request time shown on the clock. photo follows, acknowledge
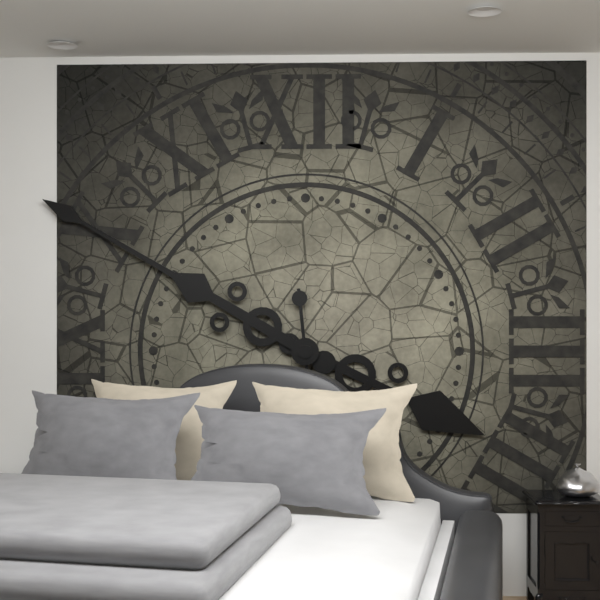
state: 3:50
